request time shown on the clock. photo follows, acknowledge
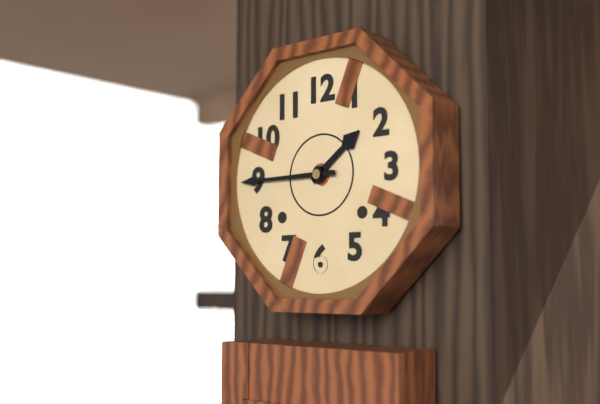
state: 1:45
